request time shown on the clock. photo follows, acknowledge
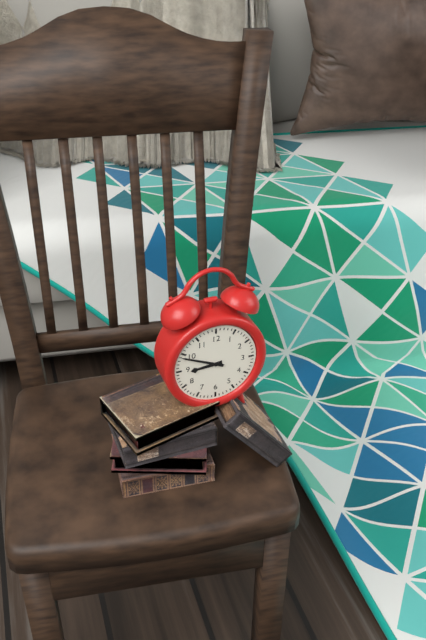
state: 8:49
